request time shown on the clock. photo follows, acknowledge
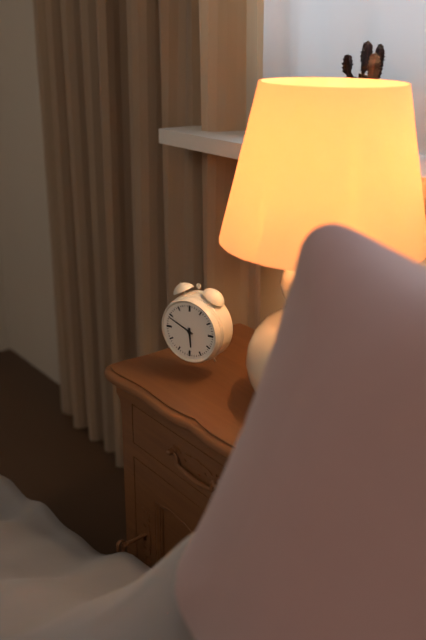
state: 5:49
